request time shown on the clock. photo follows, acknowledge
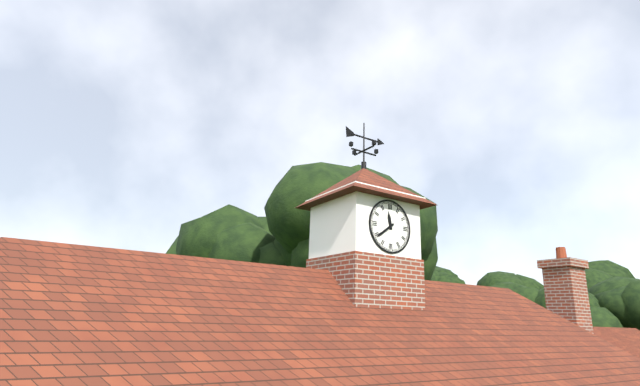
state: 11:39
